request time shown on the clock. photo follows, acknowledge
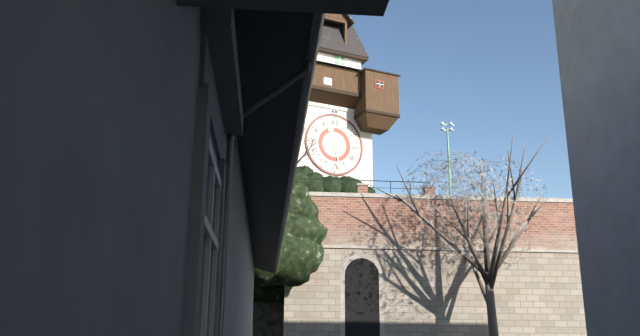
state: 11:28
